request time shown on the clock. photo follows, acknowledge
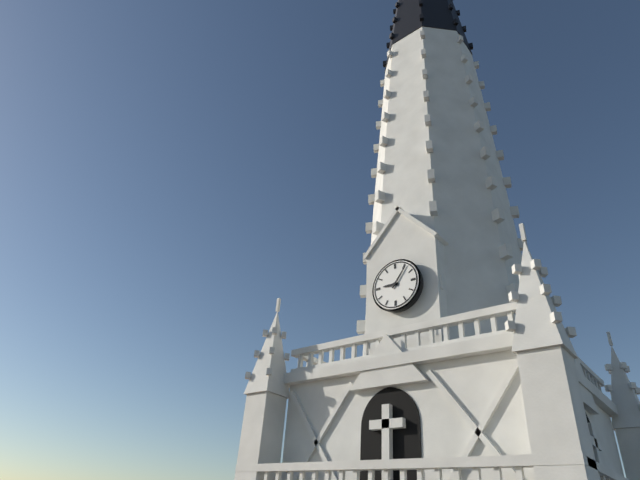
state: 9:06
